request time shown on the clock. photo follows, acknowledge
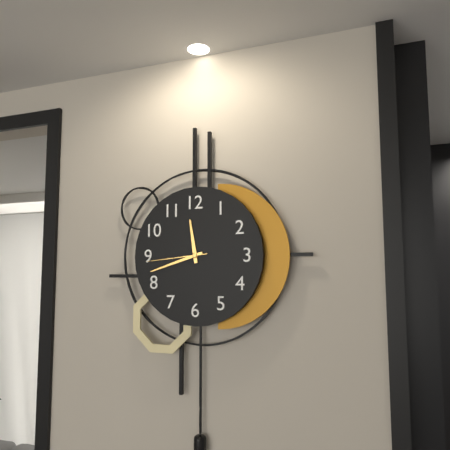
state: 11:42:44
